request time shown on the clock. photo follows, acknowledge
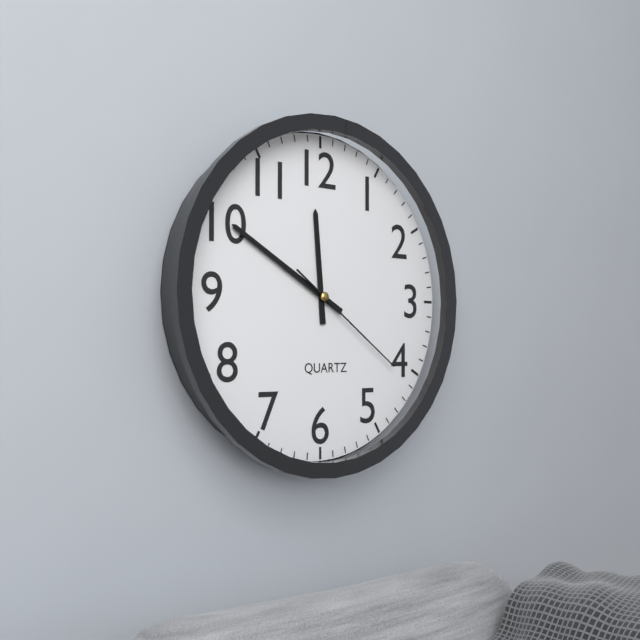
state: 11:50:21
